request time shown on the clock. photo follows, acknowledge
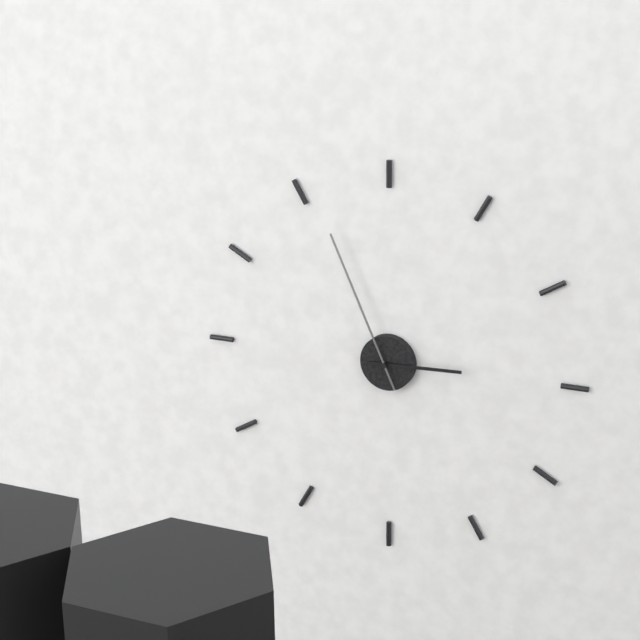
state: 2:56
